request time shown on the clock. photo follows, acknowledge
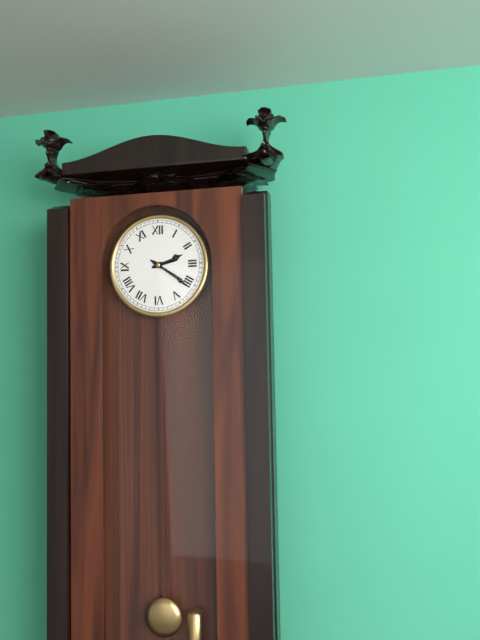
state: 2:21
